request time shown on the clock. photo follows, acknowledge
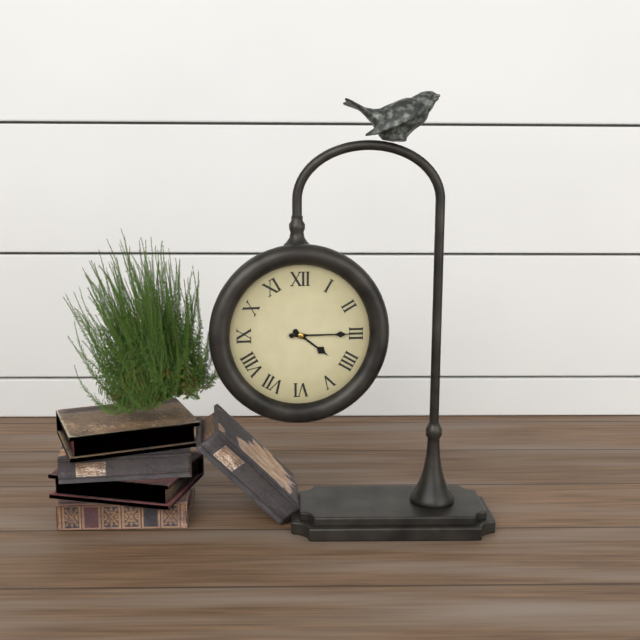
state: 4:15
